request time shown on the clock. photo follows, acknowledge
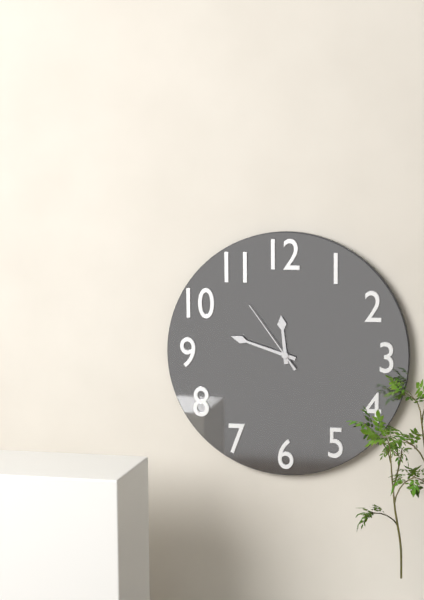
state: 11:48:54
